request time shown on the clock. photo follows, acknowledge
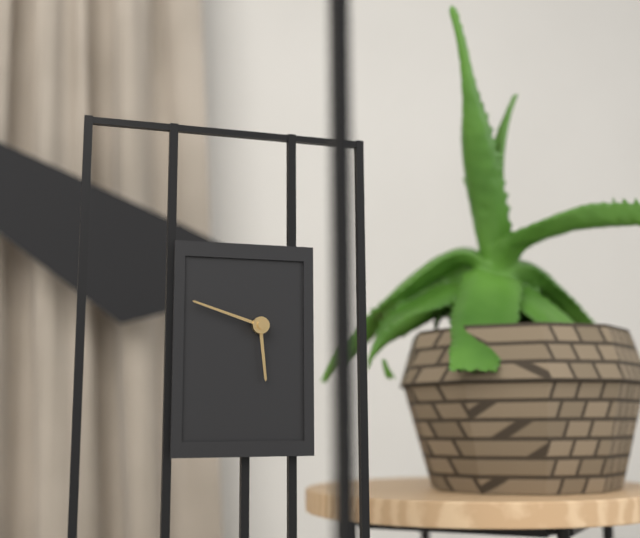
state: 5:48
